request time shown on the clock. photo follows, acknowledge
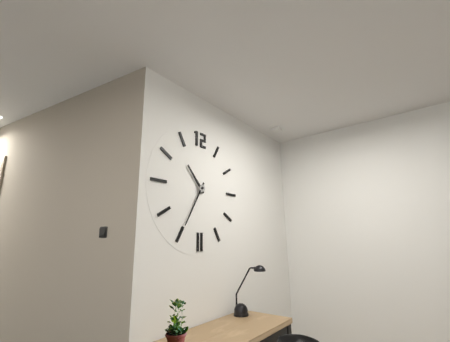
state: 10:35
